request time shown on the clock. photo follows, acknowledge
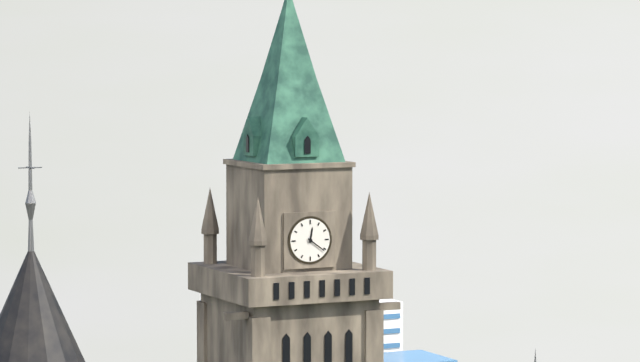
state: 12:21
